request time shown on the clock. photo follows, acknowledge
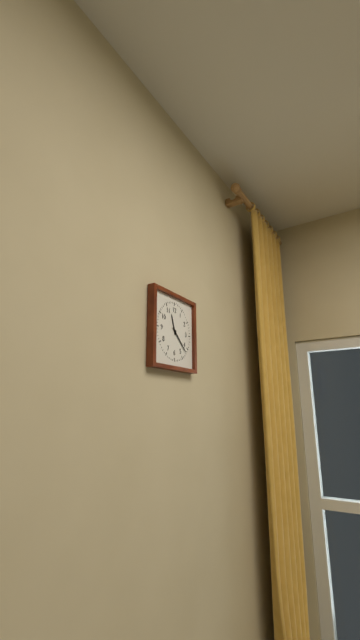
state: 11:22
